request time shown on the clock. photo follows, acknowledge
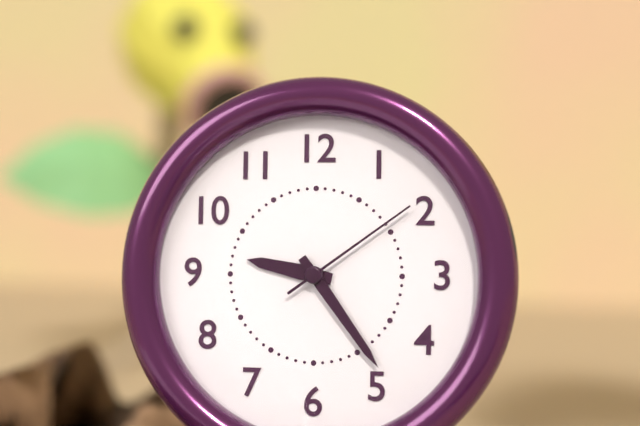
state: 9:24:09
